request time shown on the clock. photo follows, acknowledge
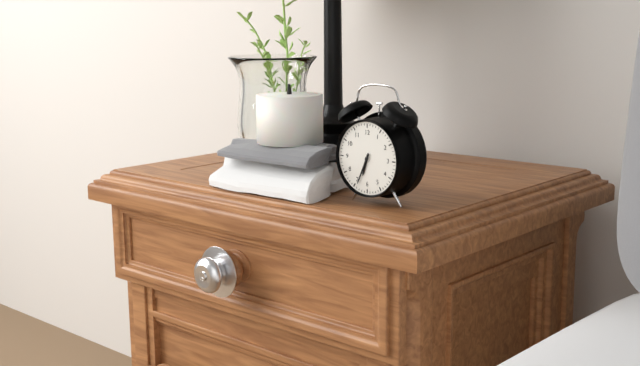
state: 6:34
